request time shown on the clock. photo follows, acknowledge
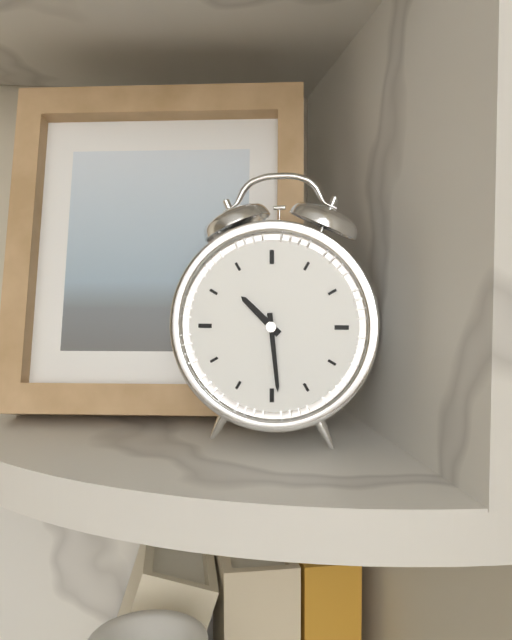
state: 10:29
